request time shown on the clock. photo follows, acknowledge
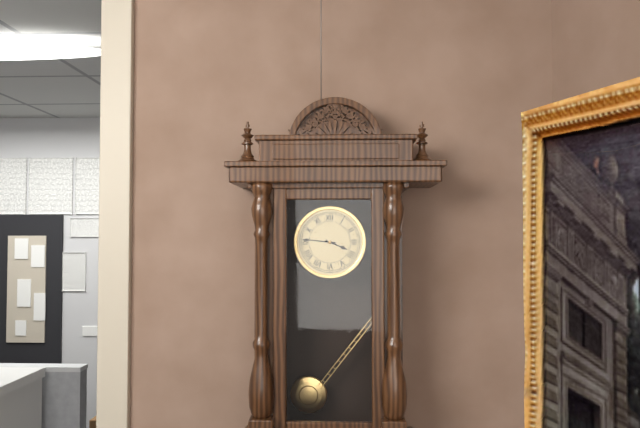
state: 3:46
